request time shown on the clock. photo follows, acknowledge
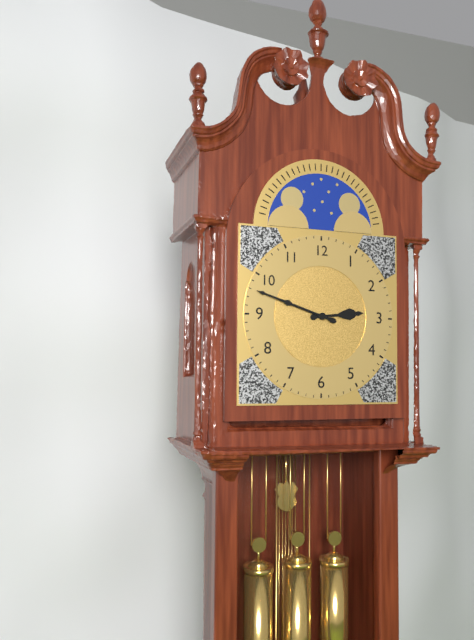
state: 2:48
